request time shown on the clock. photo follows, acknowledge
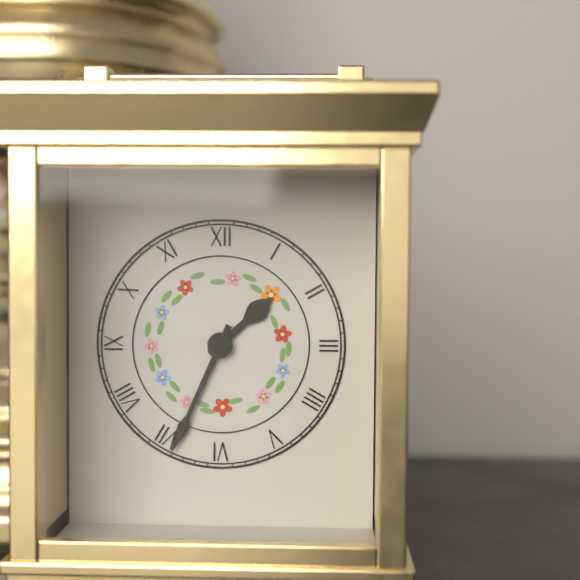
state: 1:34
